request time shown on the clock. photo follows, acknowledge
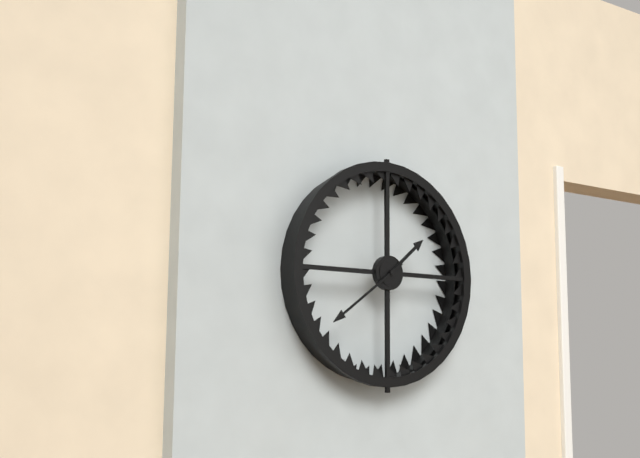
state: 1:39
